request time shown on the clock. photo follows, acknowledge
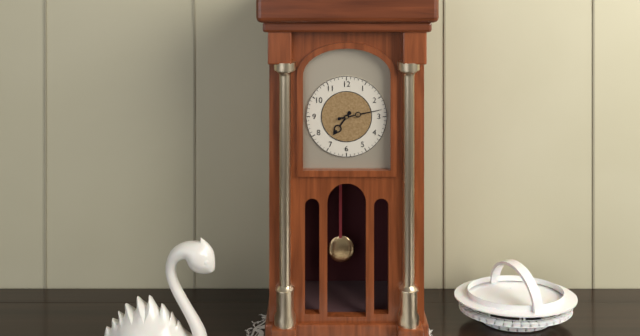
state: 7:13
